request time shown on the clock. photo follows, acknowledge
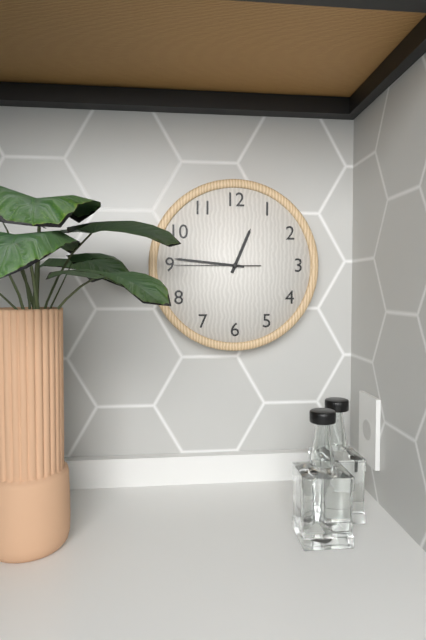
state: 12:46:45
